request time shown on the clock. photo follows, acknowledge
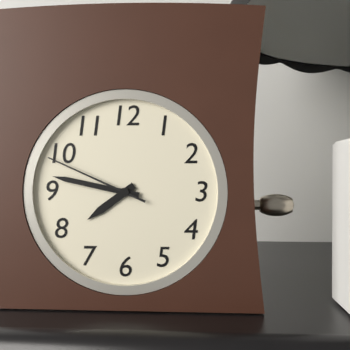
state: 7:47:49
